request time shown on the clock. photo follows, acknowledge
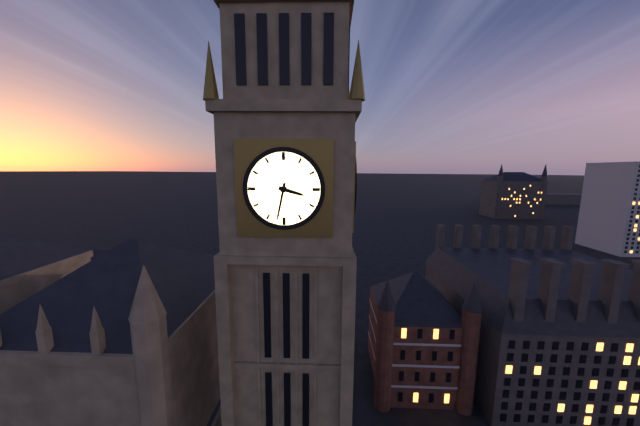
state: 3:32
